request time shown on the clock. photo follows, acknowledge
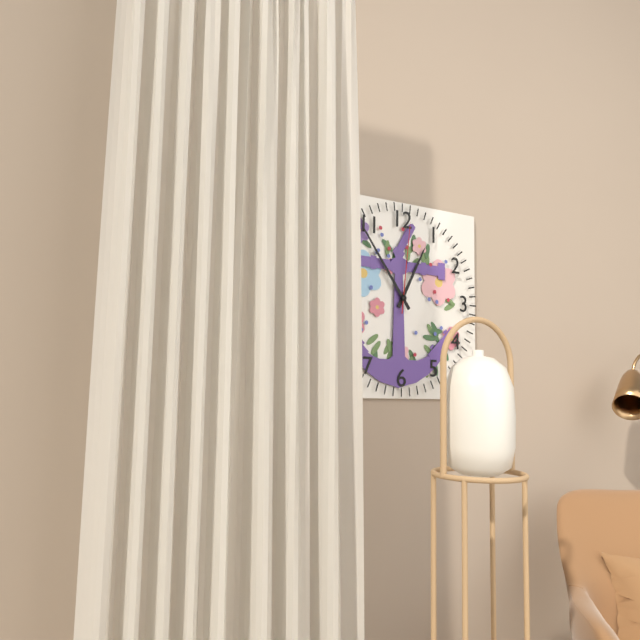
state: 12:54:01
